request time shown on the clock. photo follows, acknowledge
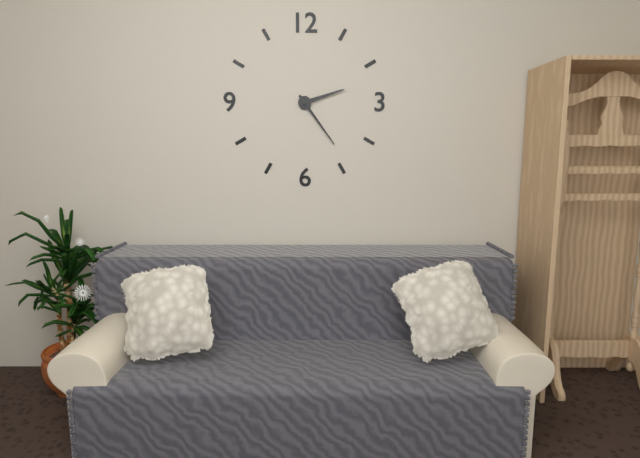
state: 2:24
